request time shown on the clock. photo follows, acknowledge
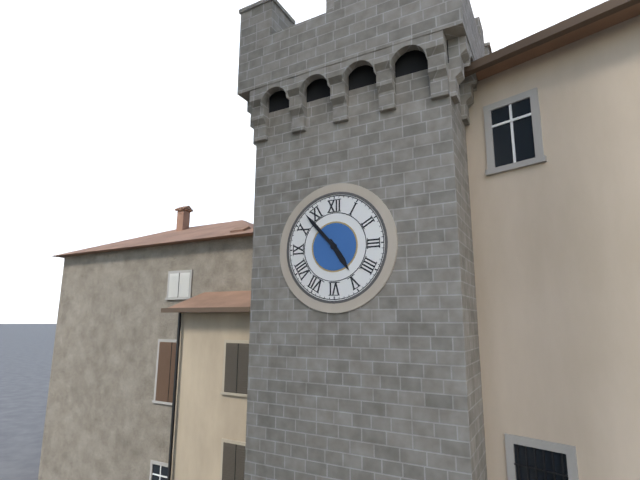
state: 4:53
